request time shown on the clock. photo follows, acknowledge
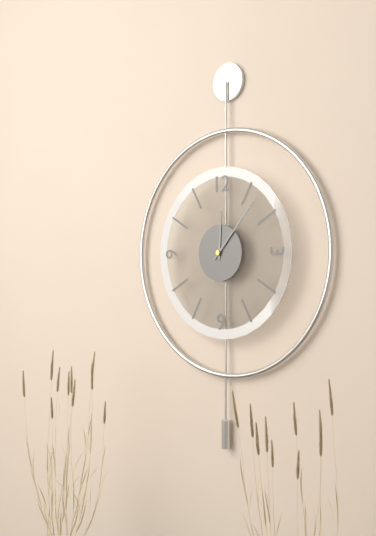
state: 12:07
